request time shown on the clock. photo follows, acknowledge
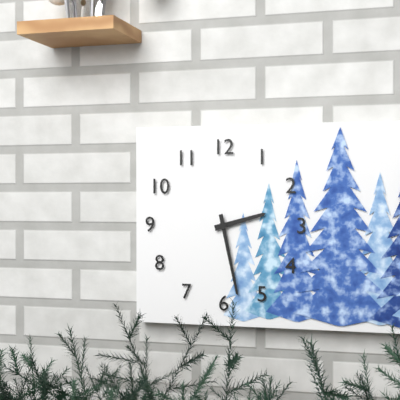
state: 2:28
